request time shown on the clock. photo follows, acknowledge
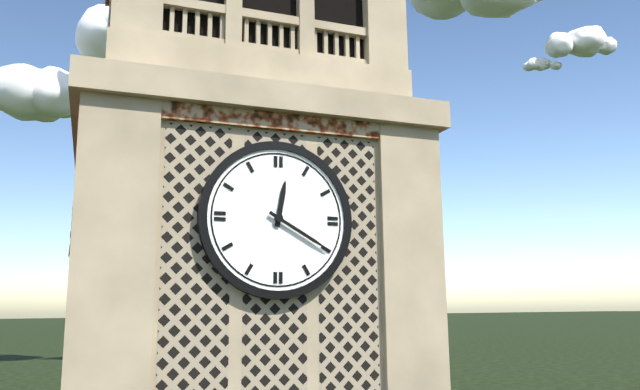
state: 12:20
